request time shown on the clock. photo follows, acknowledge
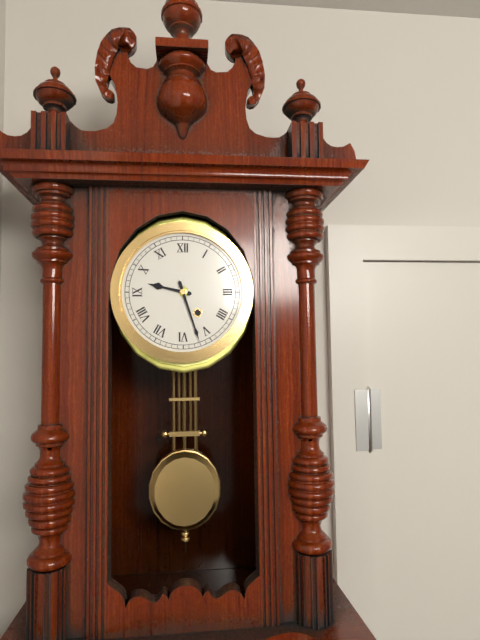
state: 9:27
